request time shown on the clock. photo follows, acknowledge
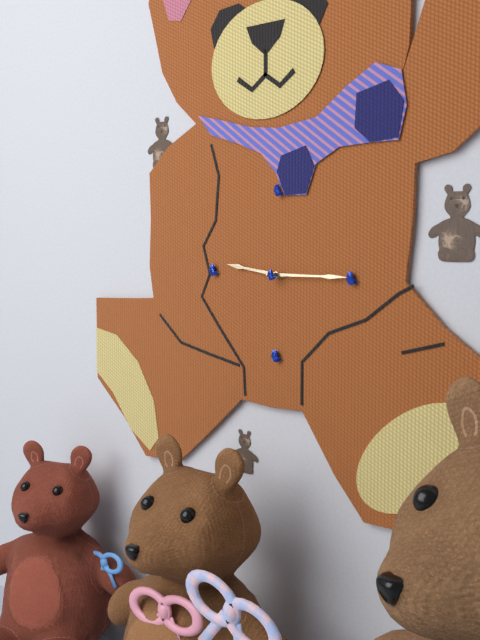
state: 9:15
